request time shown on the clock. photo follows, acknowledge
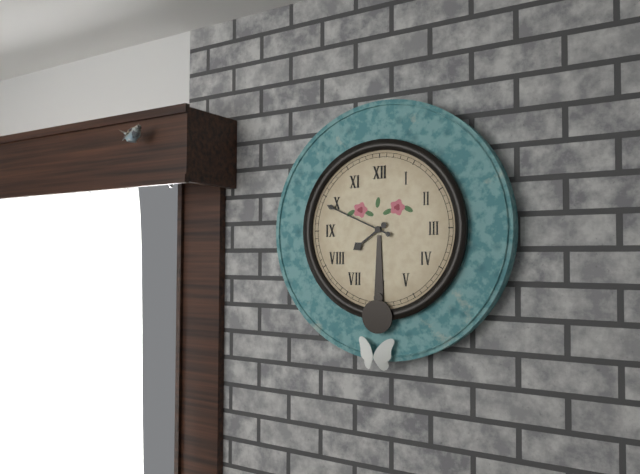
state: 7:49
